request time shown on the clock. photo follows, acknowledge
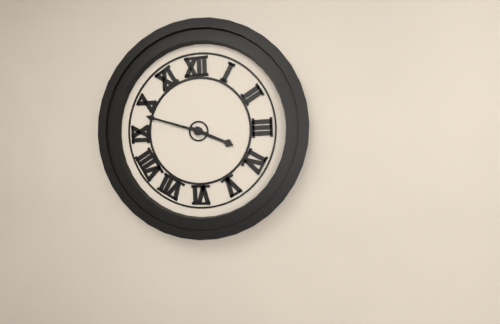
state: 3:48
